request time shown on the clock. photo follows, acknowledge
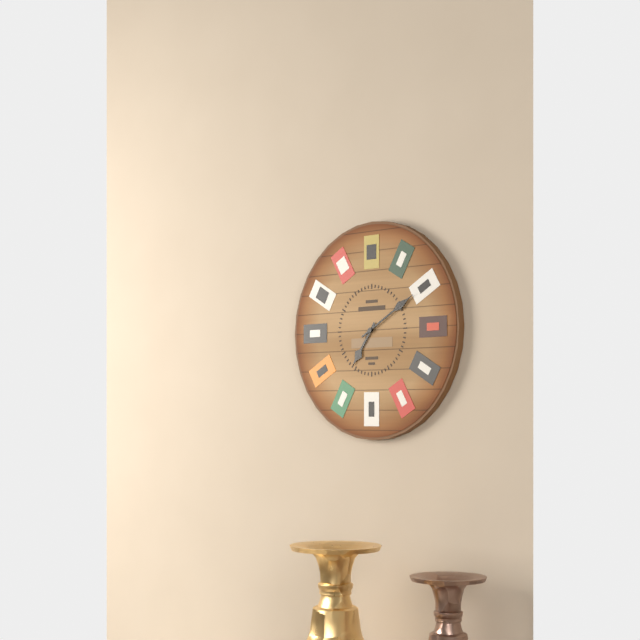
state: 7:10
